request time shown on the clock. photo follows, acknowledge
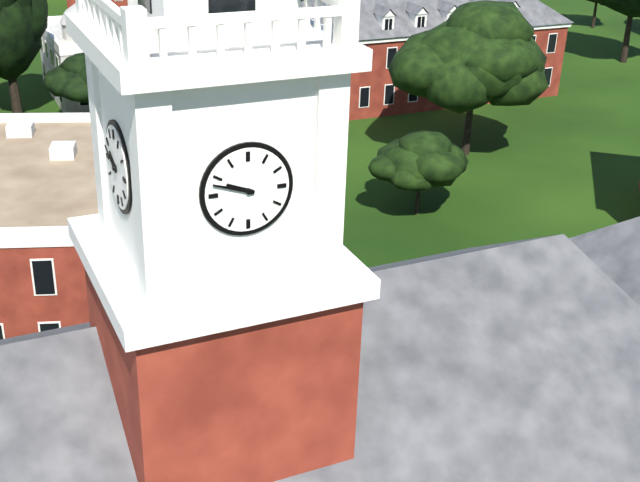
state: 9:48
